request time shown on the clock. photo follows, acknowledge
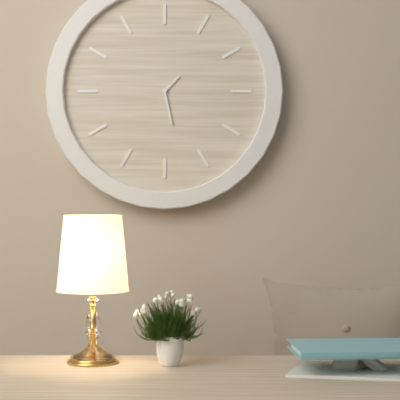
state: 1:28
